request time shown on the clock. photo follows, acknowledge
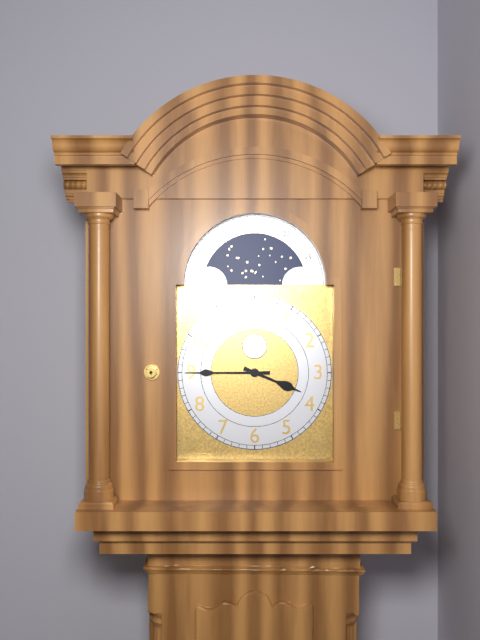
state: 3:45
